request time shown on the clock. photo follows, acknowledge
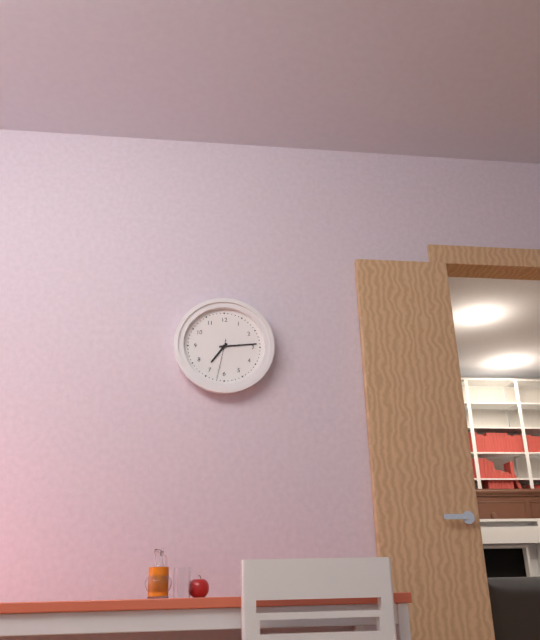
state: 7:14
